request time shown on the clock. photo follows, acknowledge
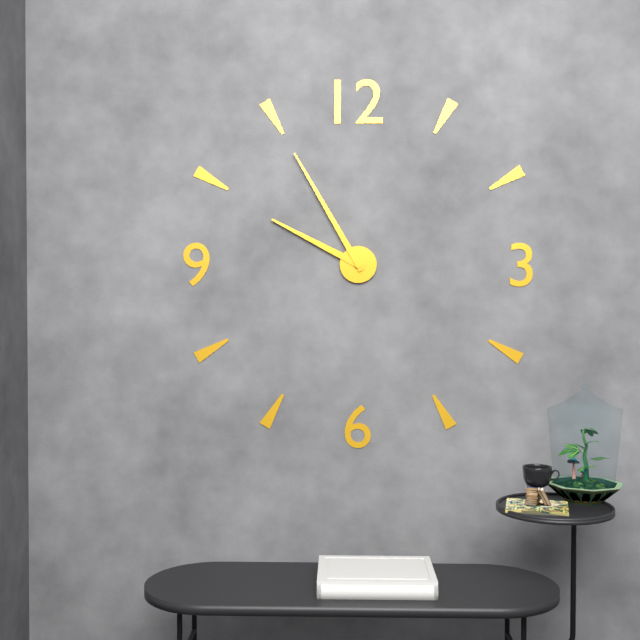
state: 9:55
